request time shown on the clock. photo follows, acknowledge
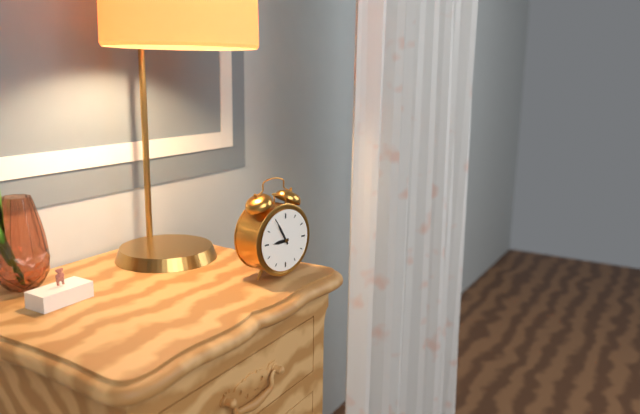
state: 8:55
